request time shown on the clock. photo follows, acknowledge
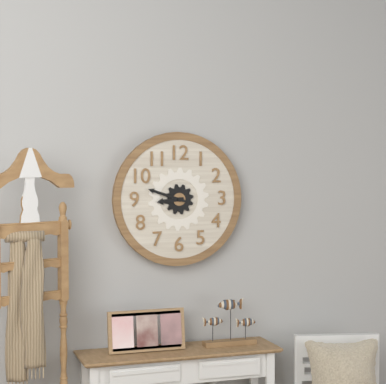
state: 8:48
